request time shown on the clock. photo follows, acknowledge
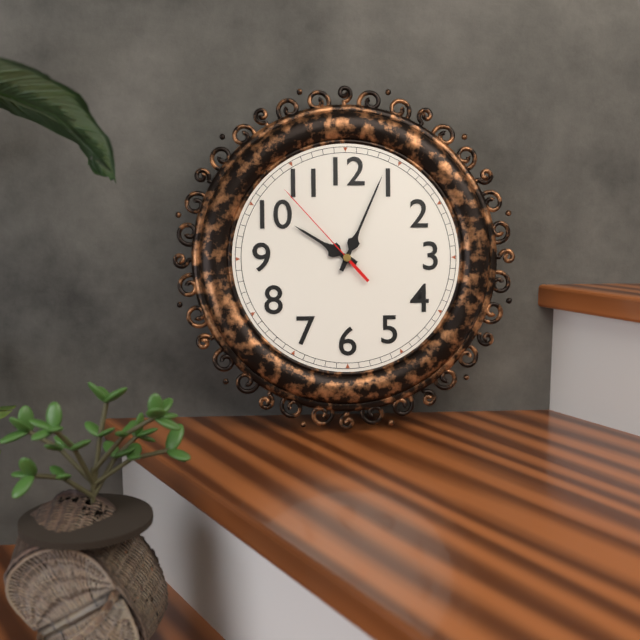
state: 10:04:53
